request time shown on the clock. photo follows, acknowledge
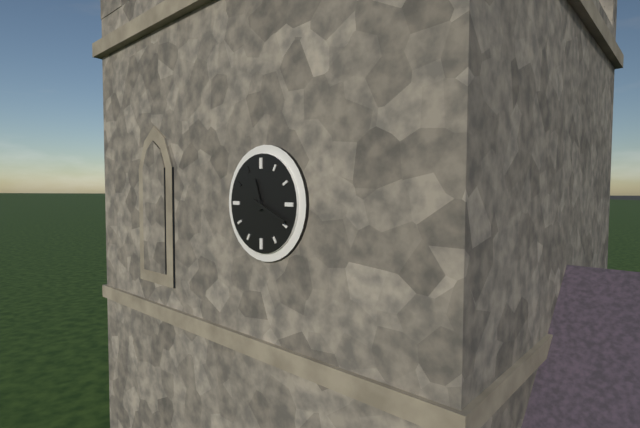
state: 11:19
